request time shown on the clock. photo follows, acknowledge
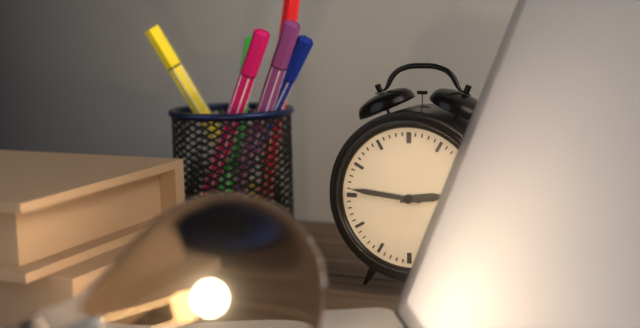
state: 2:46
